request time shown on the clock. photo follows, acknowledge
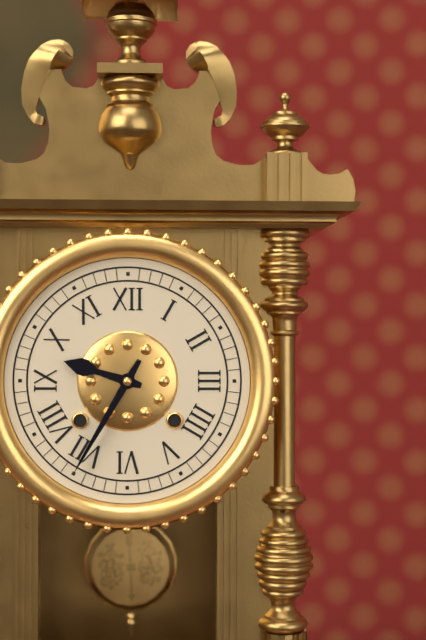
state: 9:35
